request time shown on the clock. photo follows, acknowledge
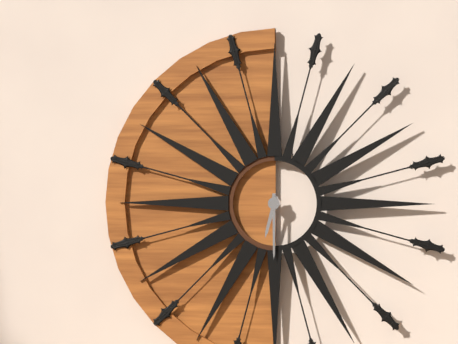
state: 6:30
